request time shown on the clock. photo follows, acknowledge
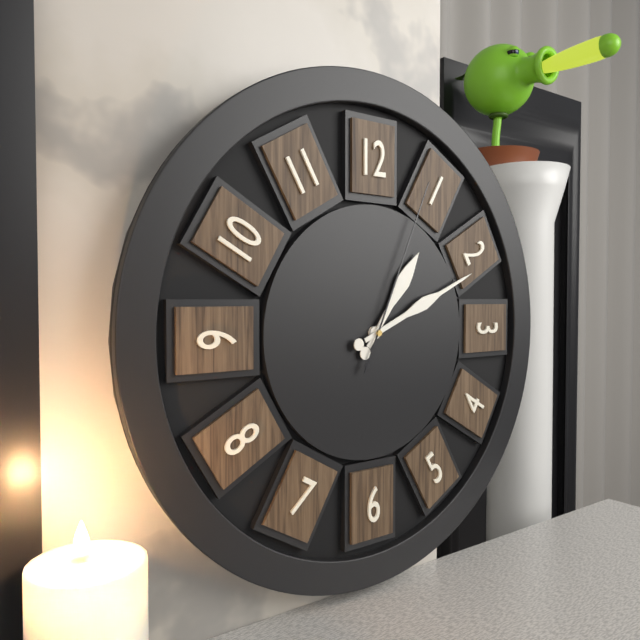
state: 1:11:04
